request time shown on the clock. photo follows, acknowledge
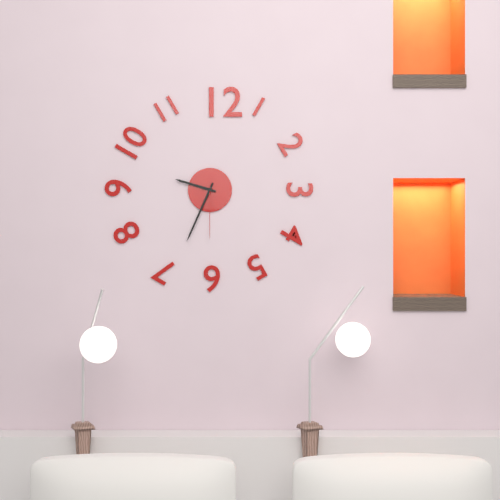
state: 9:34:30
